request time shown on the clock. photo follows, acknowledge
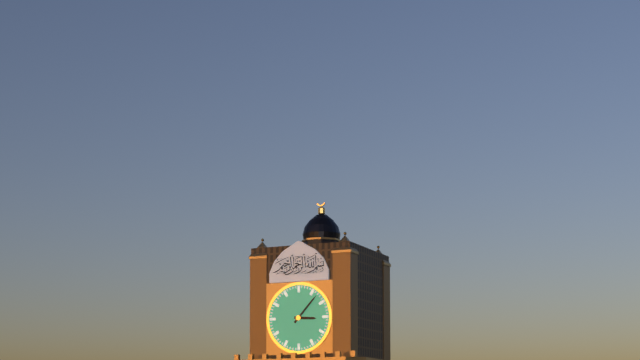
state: 3:07
